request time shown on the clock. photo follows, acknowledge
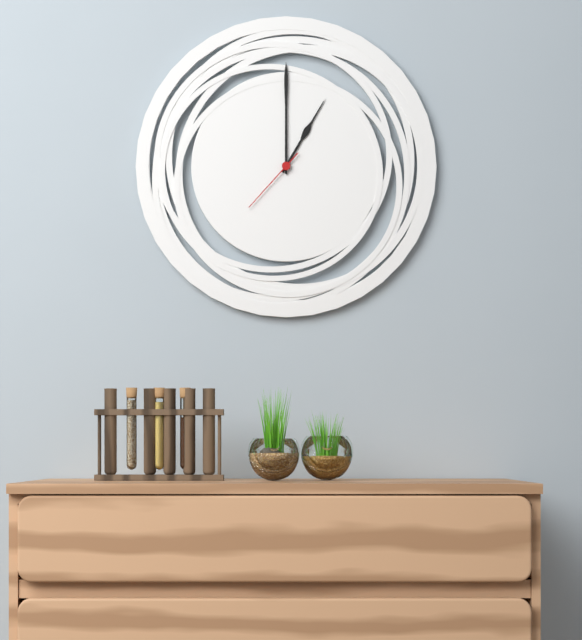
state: 1:00:37
